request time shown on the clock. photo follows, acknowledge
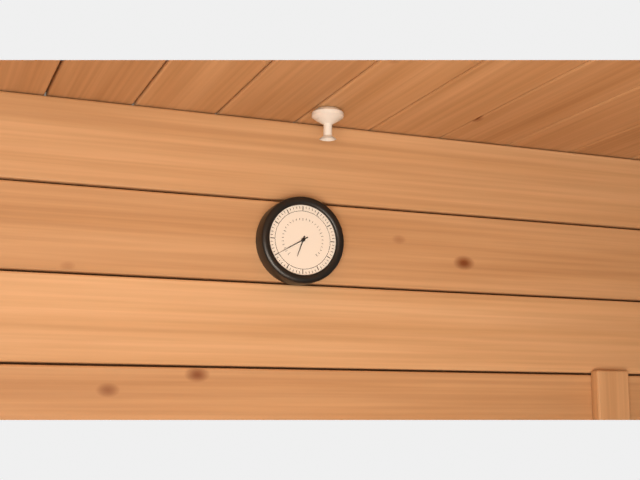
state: 6:40
